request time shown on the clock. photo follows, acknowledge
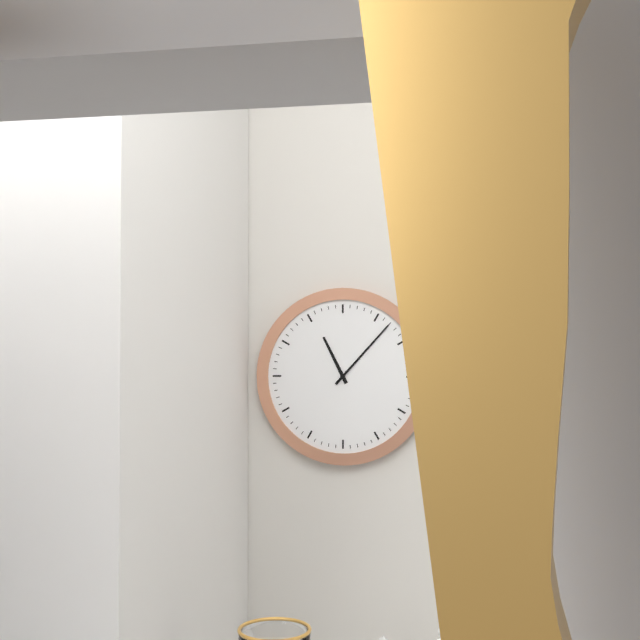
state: 11:07
